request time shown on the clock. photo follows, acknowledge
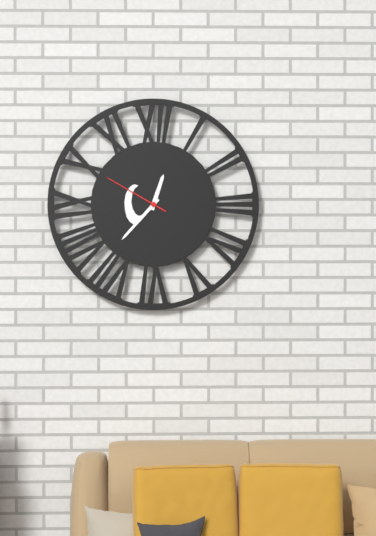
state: 12:37:50
